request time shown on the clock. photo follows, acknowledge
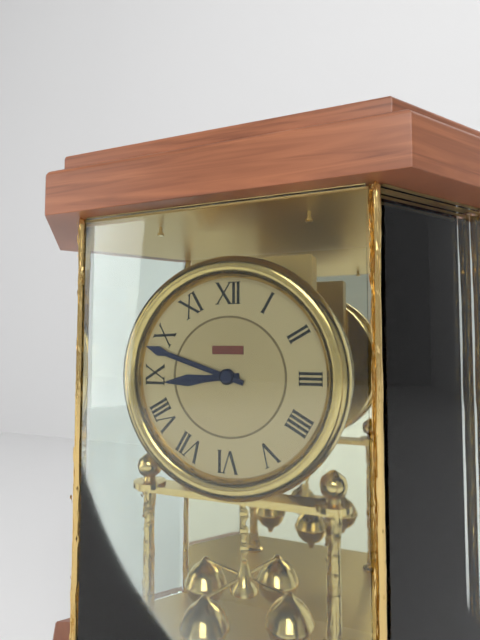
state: 8:48
